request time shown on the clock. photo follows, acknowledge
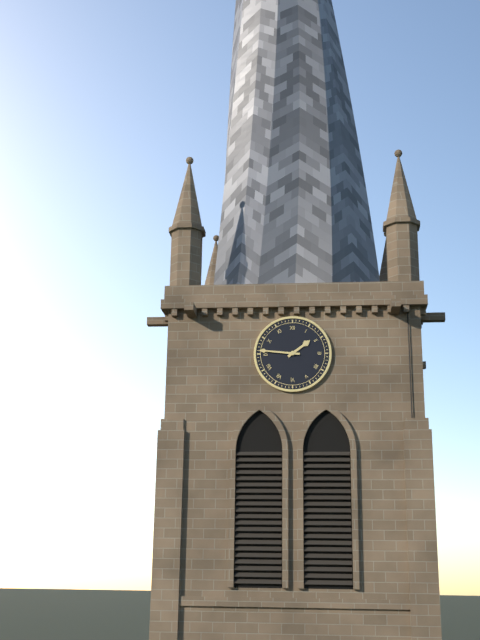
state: 1:46
